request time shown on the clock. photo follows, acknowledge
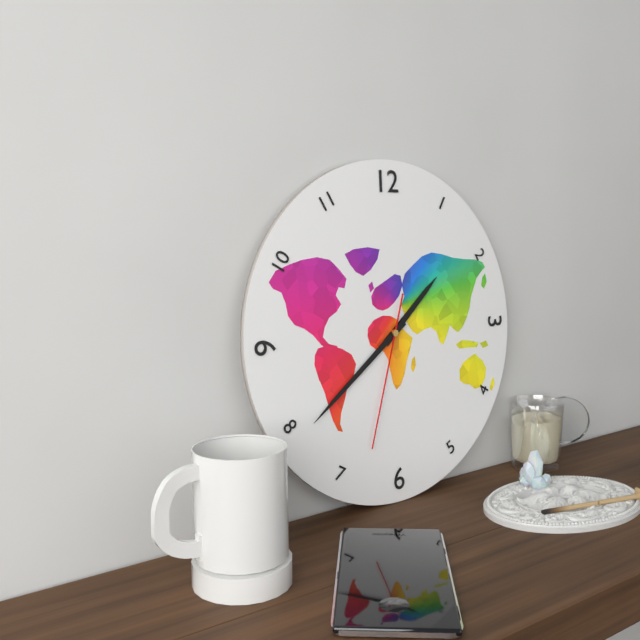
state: 1:39:33
